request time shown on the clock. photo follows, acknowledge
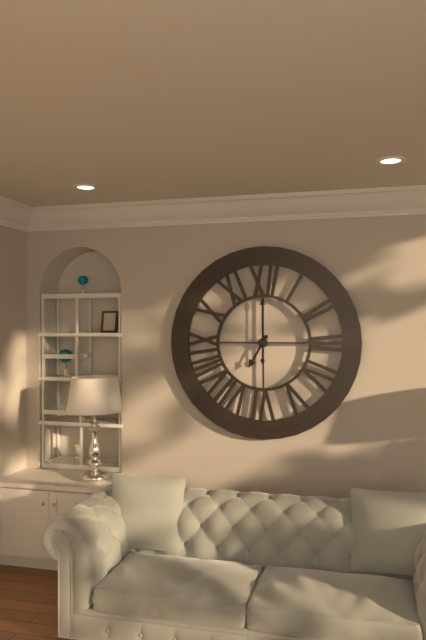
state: 7:00
